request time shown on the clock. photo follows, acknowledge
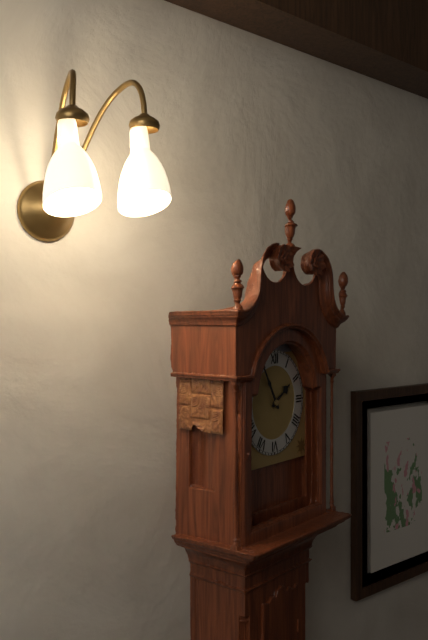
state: 1:55
